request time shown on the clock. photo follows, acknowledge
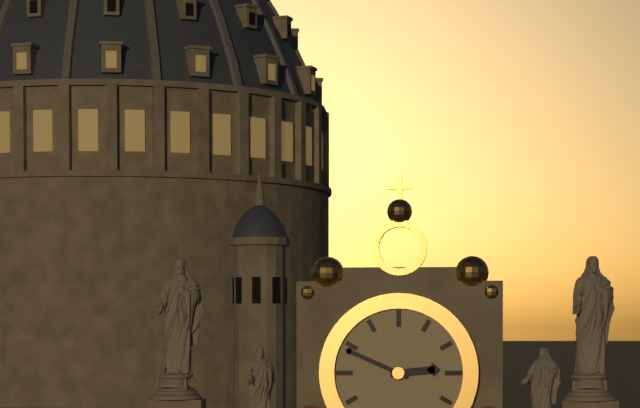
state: 2:49
